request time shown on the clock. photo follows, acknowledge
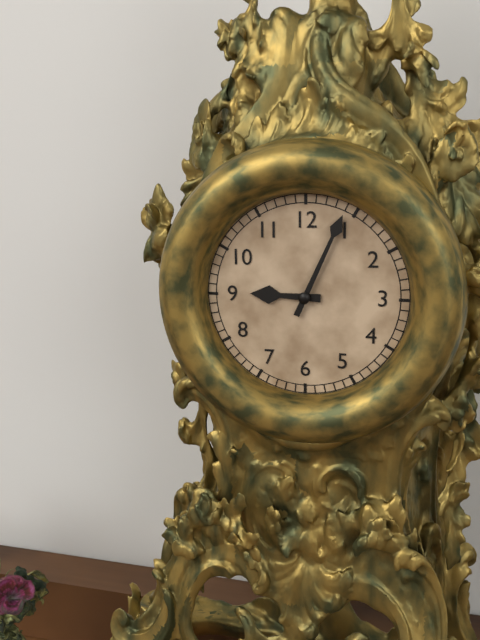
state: 9:04
